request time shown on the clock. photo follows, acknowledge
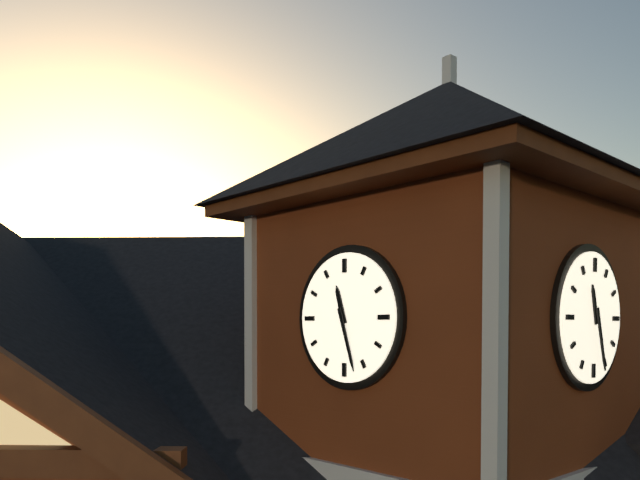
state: 11:27
